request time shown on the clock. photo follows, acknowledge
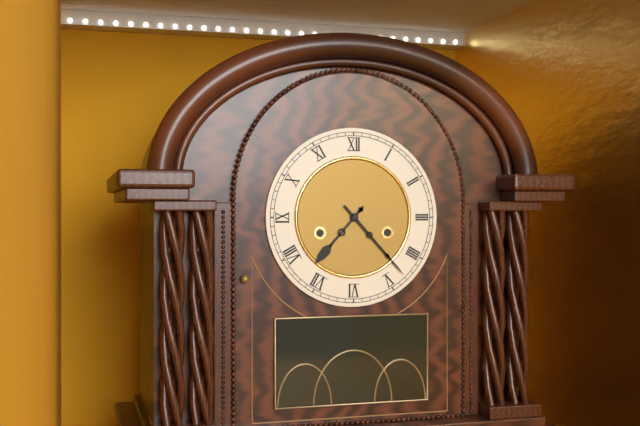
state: 7:23
